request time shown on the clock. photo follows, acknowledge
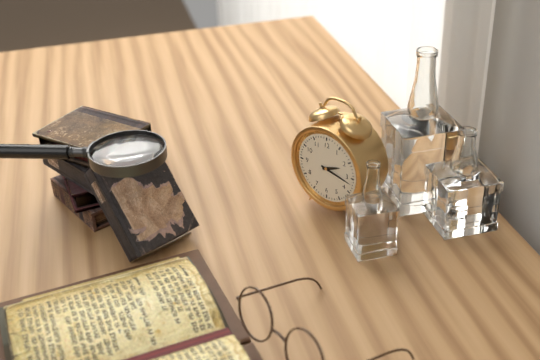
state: 2:17
